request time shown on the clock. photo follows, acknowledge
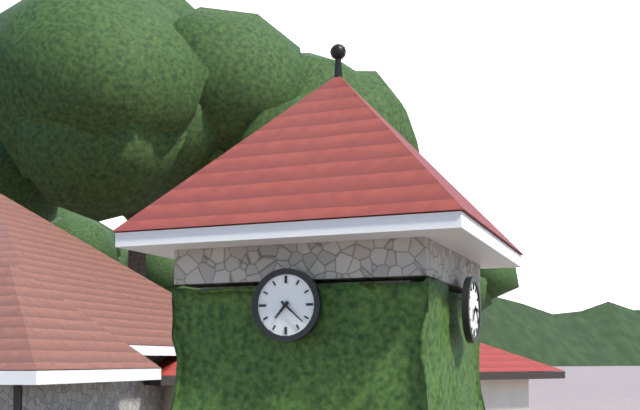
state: 7:22
